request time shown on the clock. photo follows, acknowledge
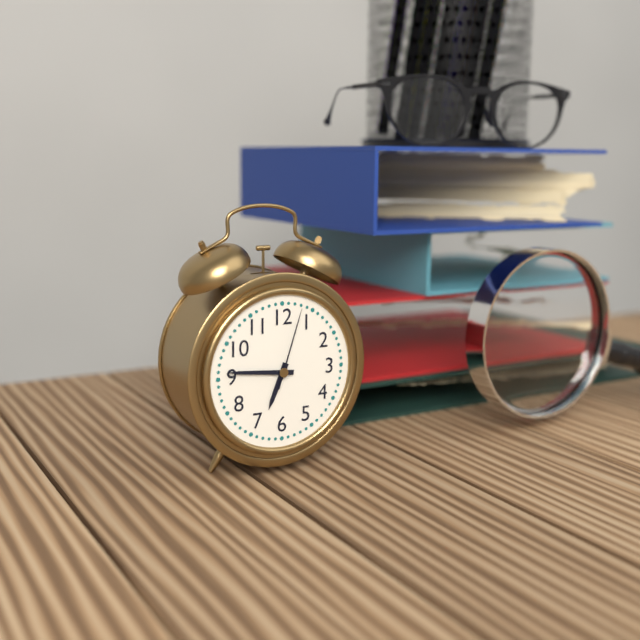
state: 6:46:03
